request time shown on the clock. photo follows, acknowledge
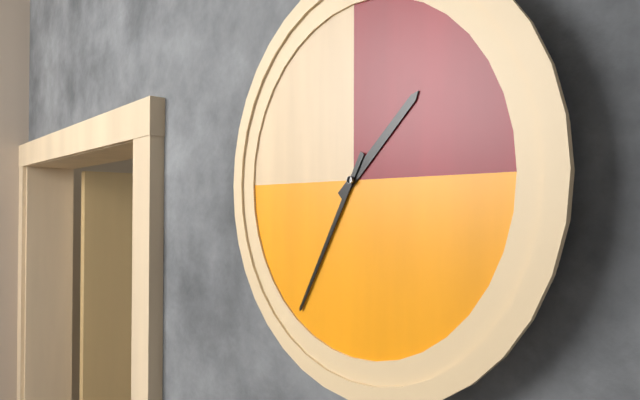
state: 1:35
